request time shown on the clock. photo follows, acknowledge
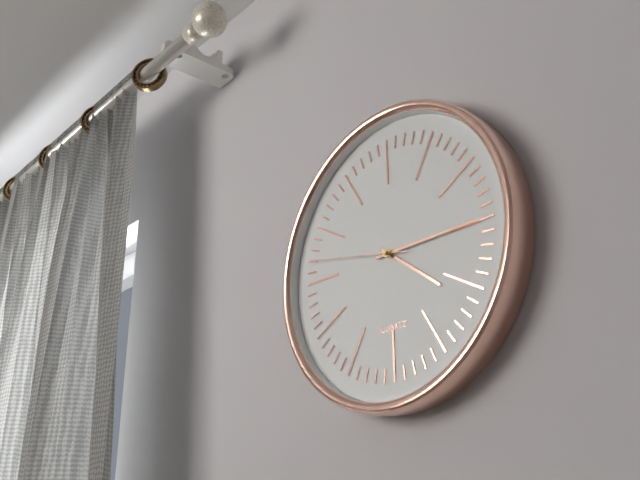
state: 4:15:47
